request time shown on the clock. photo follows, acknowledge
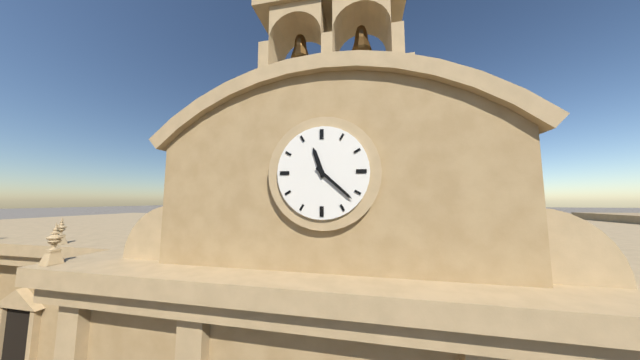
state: 11:22
